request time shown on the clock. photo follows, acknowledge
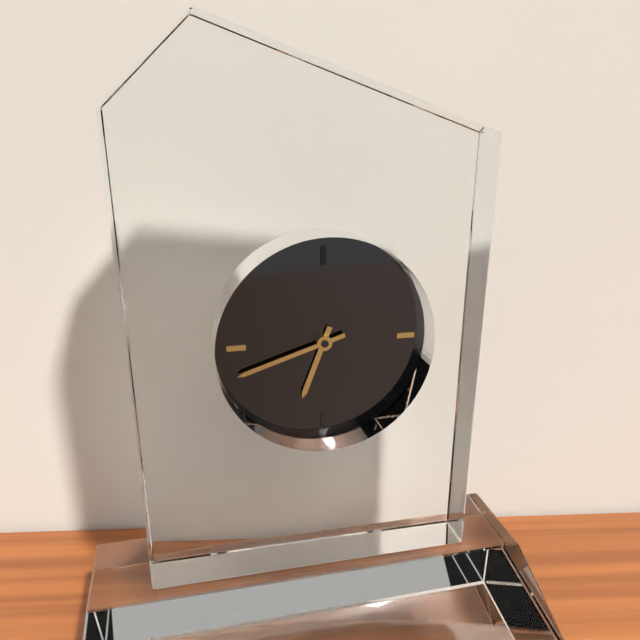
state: 6:42
